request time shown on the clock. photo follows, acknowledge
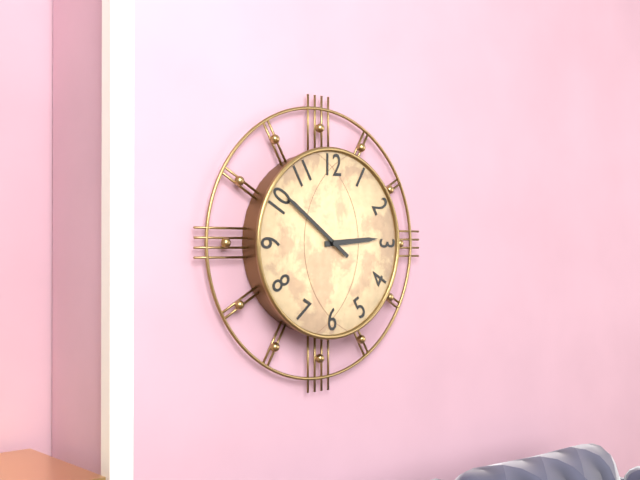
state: 2:51
